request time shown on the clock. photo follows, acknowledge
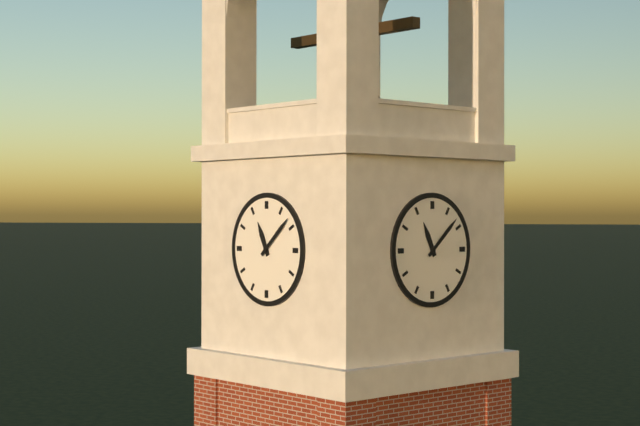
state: 11:08
